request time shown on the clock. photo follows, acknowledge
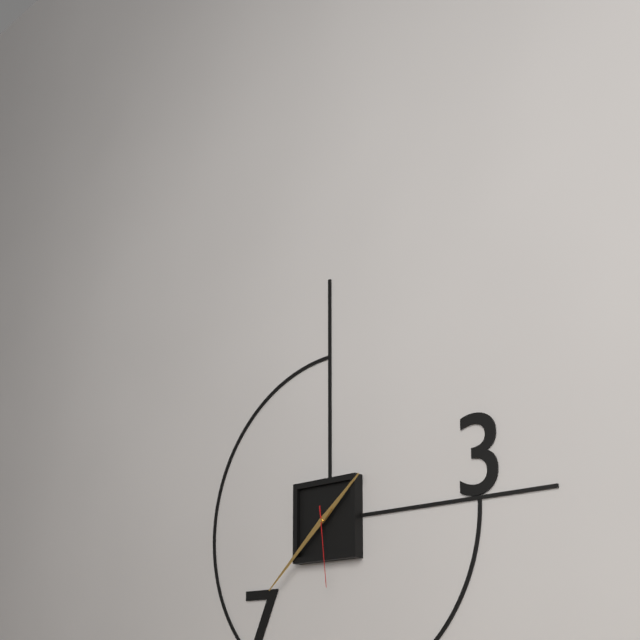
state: 1:38:29
